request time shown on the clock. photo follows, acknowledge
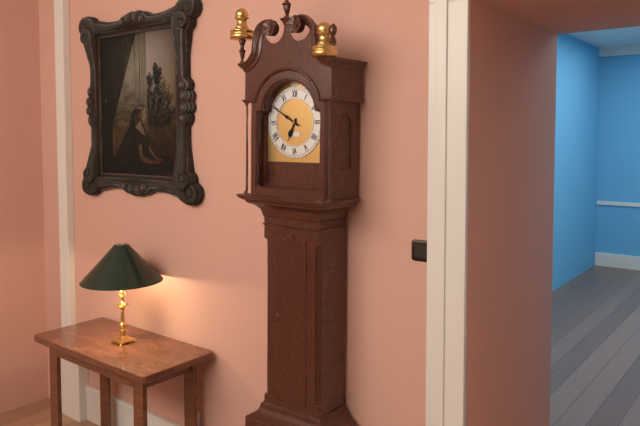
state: 6:50
